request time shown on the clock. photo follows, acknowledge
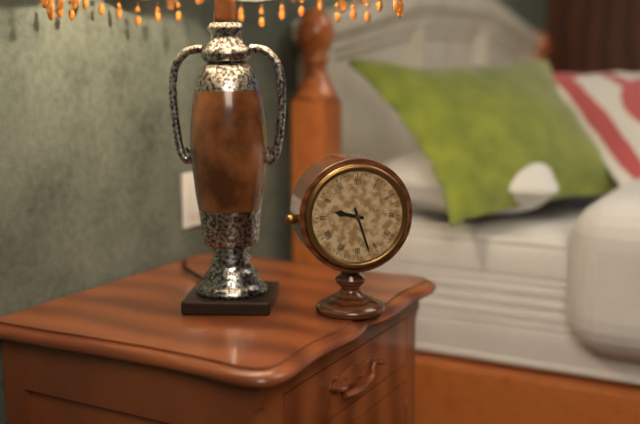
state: 9:27
